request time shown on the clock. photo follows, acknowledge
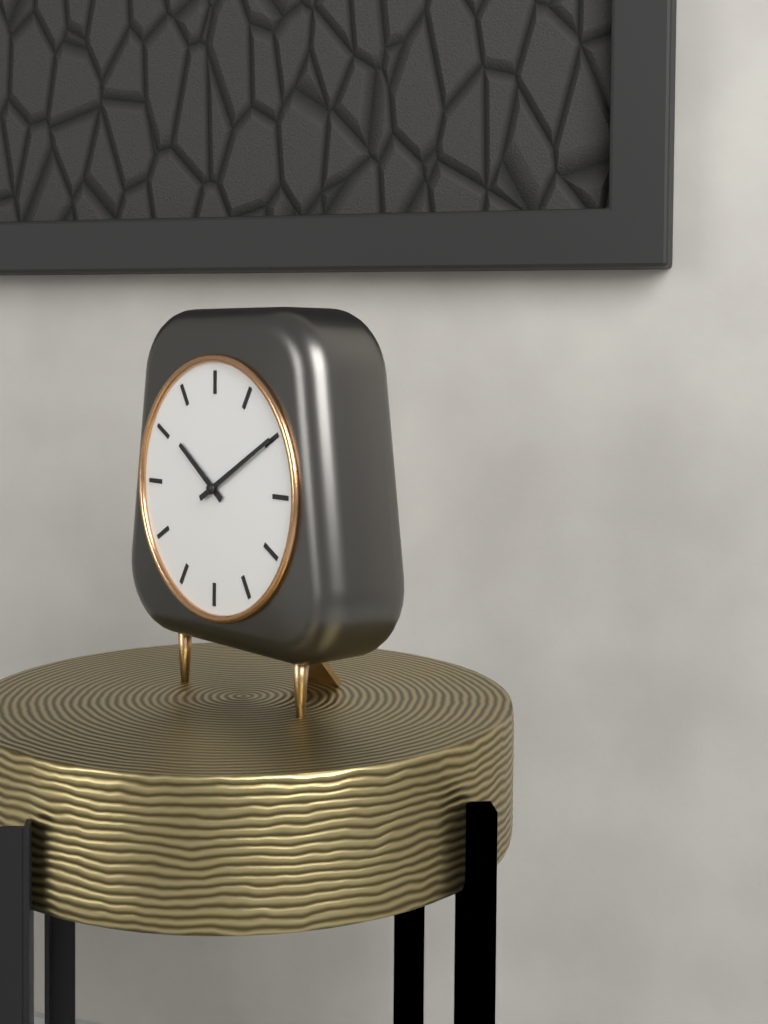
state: 10:10
